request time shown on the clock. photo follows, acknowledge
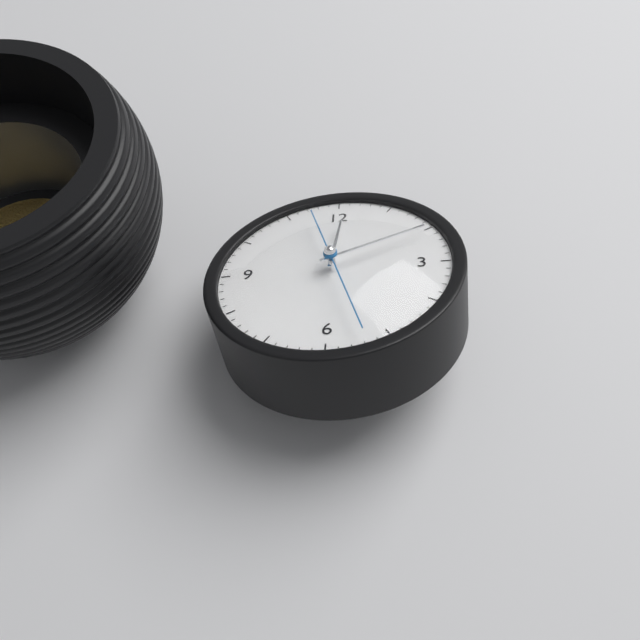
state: 12:11:27
